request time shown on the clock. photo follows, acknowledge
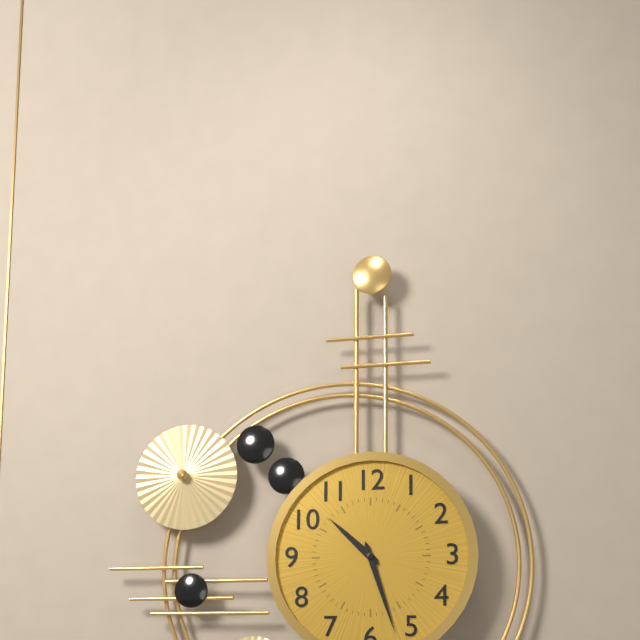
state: 10:27
